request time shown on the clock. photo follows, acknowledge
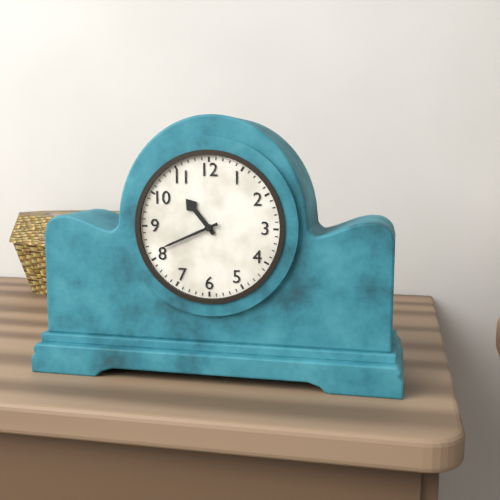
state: 10:41
